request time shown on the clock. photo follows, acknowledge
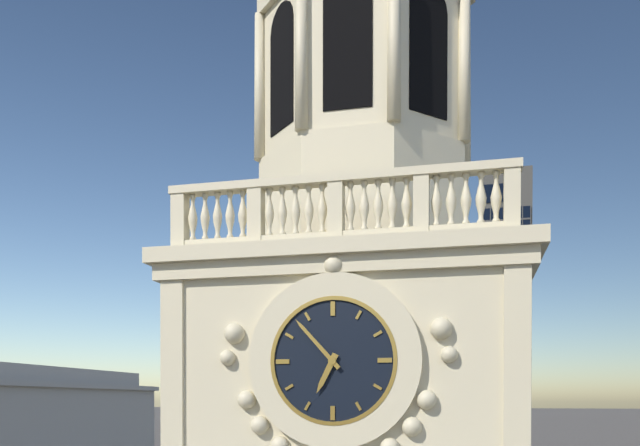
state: 6:53
